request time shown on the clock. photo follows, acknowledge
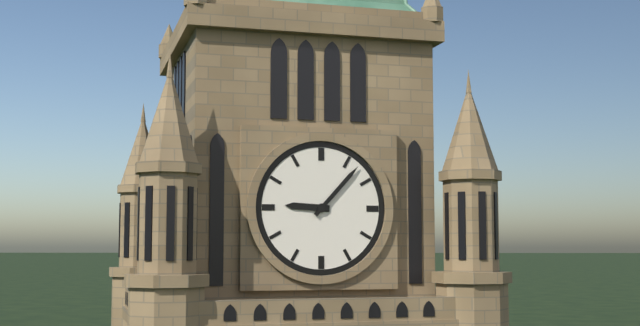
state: 9:07
